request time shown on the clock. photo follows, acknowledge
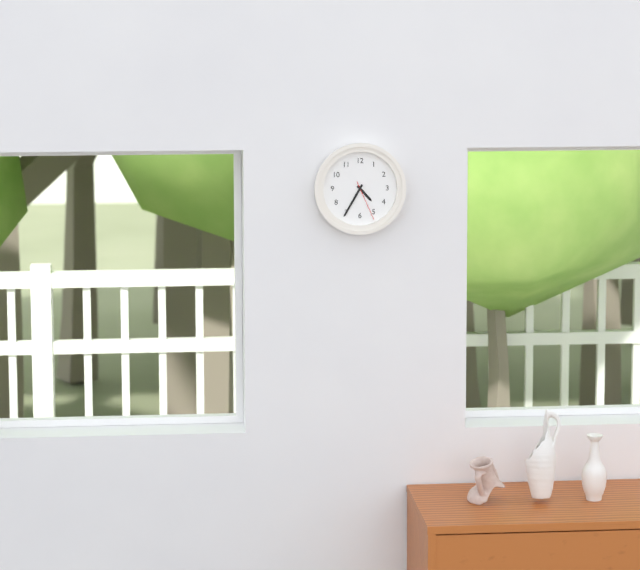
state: 4:35
